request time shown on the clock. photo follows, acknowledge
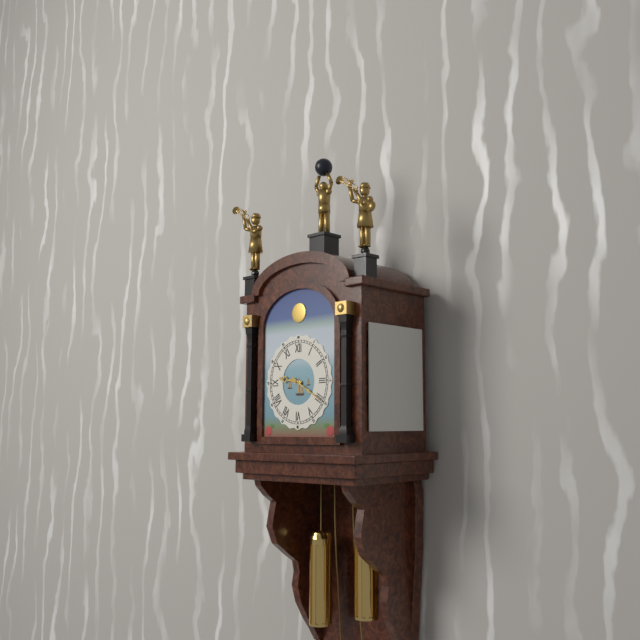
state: 9:20
